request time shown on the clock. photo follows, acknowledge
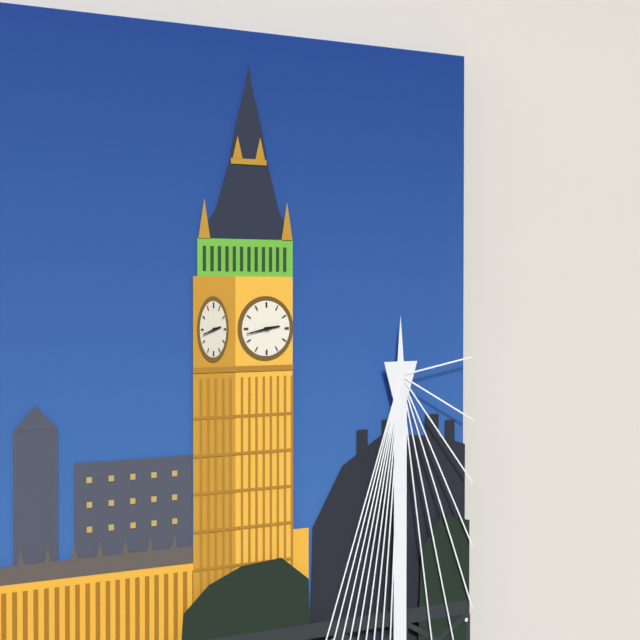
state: 2:43
